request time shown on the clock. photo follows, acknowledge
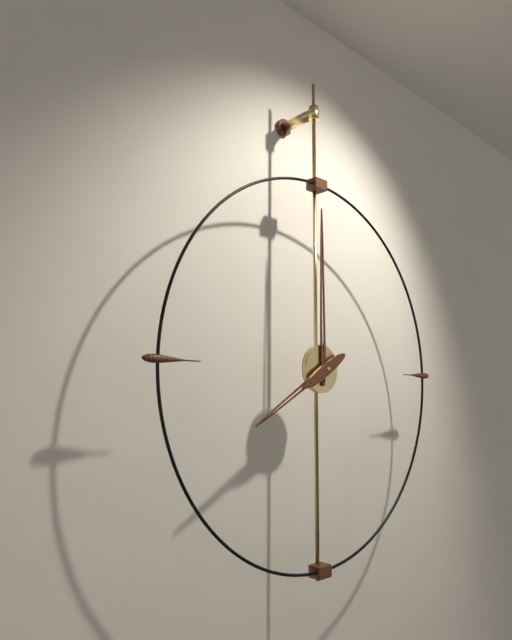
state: 8:00
